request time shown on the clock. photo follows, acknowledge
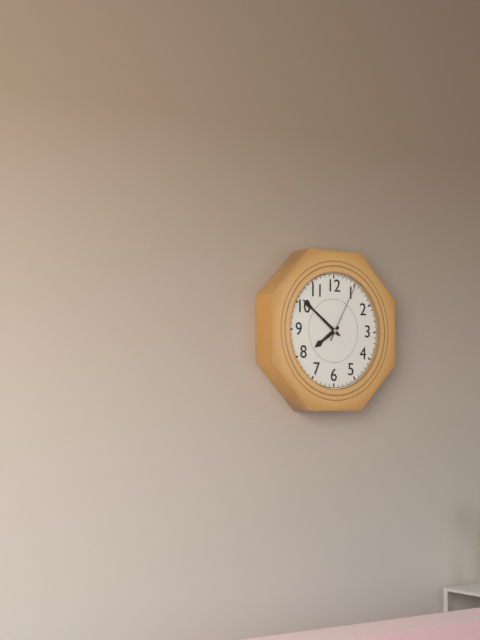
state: 7:51:05
